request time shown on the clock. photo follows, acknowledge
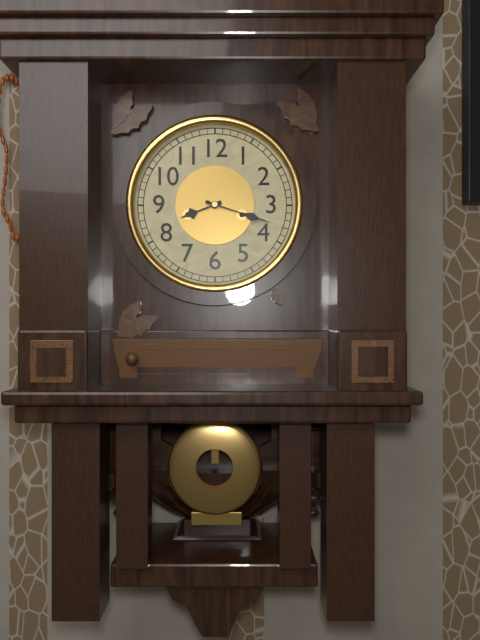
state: 8:18
